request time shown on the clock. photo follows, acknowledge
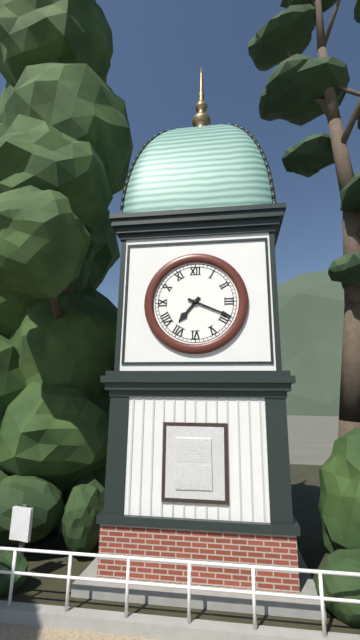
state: 7:19
